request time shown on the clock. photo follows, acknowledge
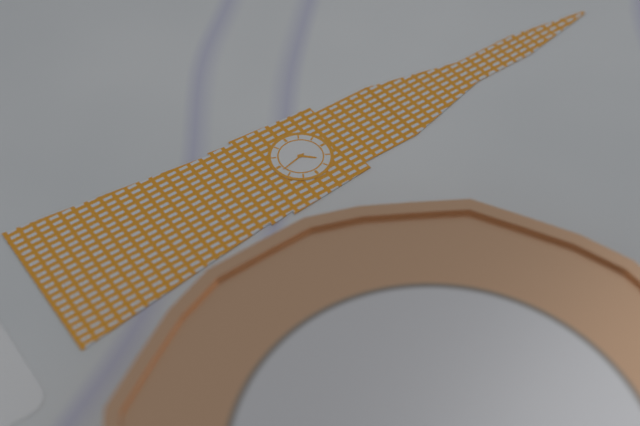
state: 1:28
